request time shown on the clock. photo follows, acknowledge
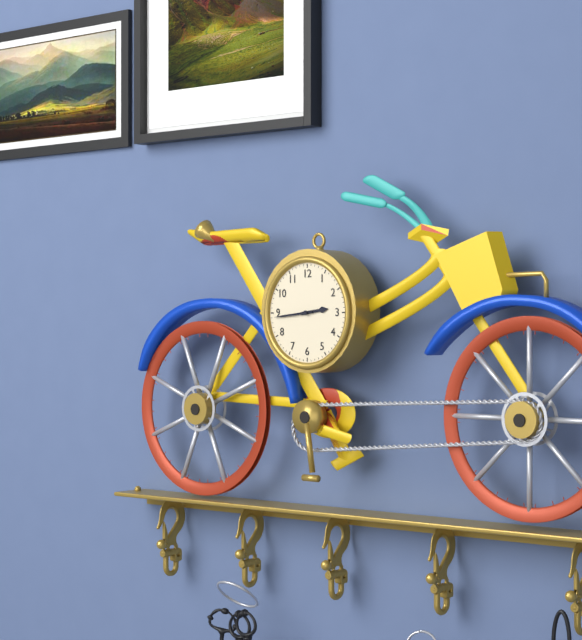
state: 2:44
